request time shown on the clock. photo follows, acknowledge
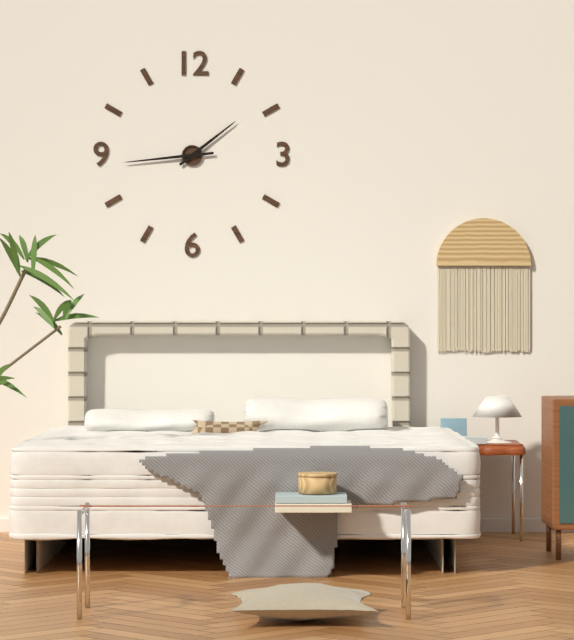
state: 1:44
